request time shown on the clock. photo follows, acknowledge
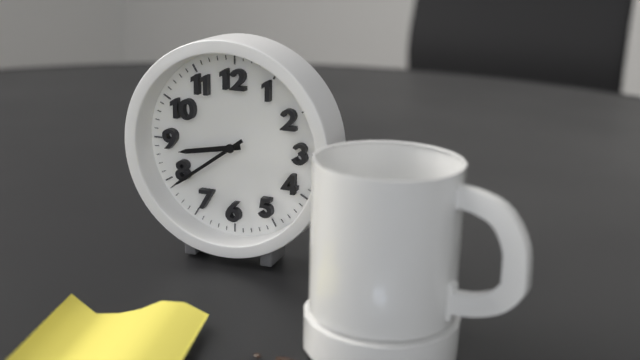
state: 8:39
